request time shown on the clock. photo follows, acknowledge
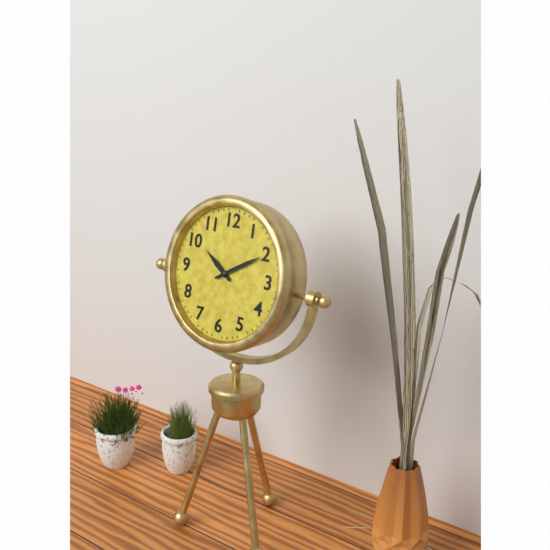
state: 10:10
